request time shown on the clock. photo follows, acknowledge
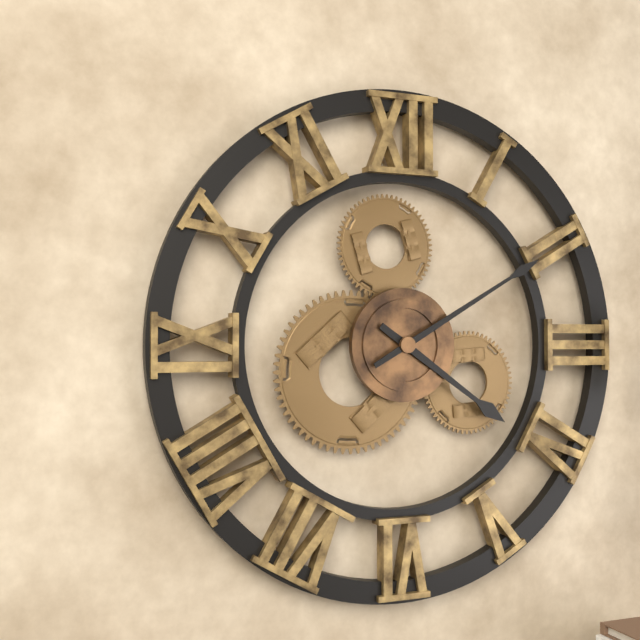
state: 4:10
